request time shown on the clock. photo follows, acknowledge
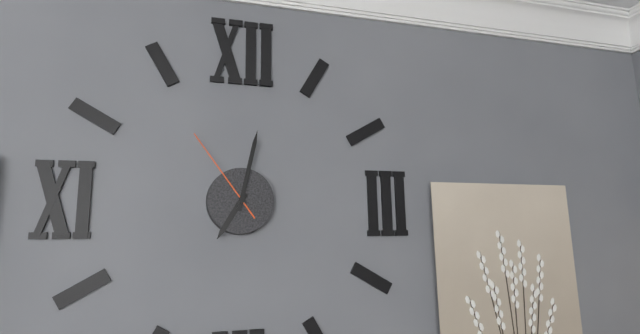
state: 7:02:54
